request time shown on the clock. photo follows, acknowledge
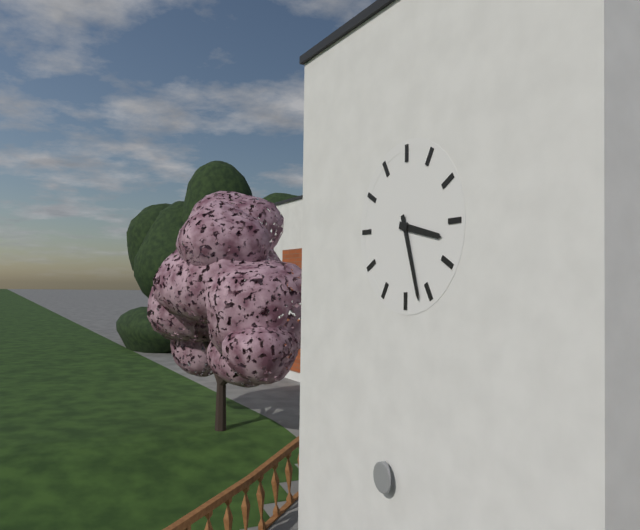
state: 3:27
